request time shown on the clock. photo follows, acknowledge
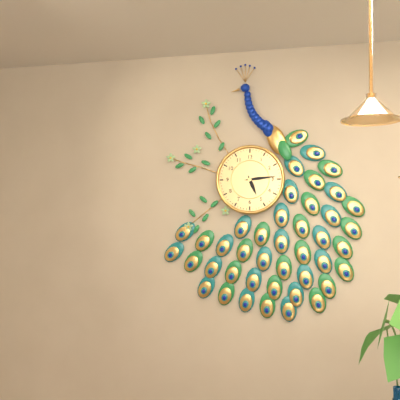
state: 5:14
